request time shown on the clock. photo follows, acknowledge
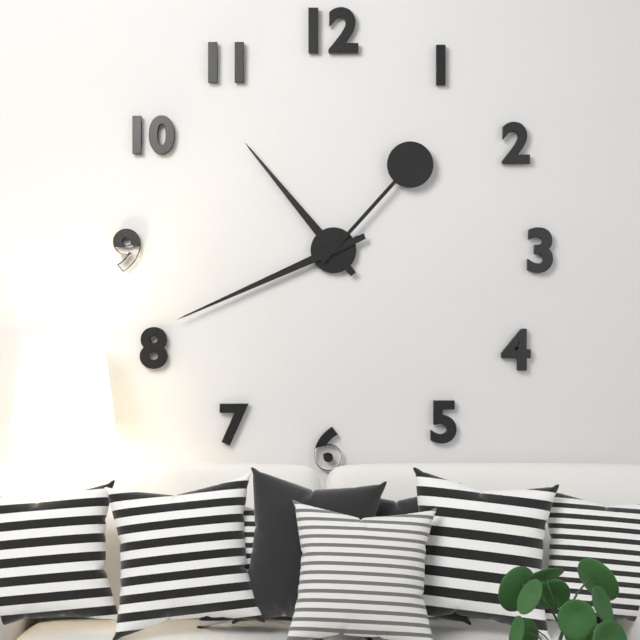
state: 10:41:07
